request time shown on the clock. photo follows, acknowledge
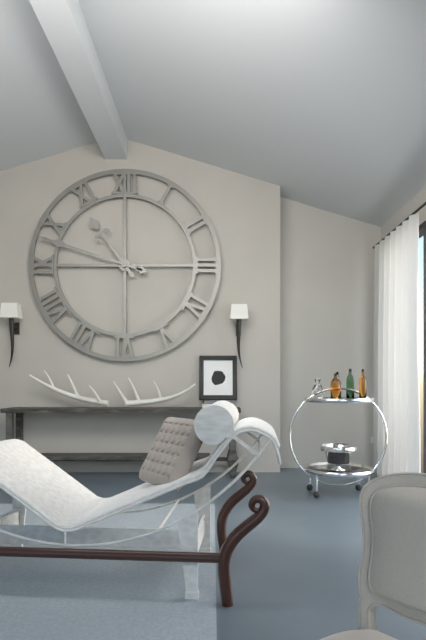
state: 10:48
